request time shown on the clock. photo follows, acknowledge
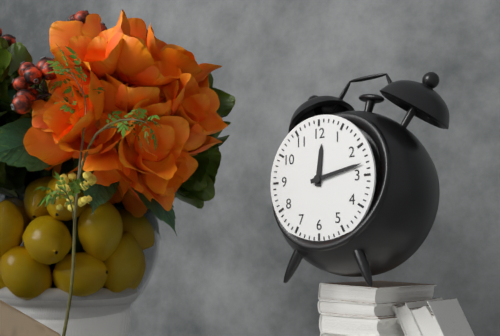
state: 12:13
